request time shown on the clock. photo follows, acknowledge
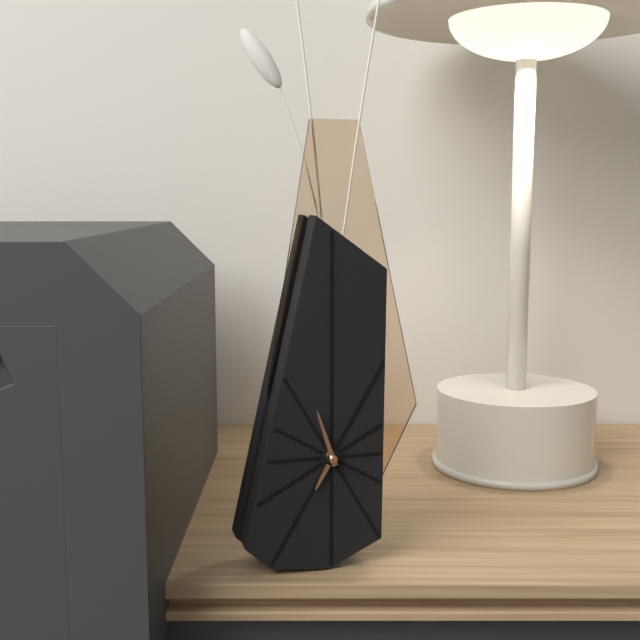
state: 6:57
